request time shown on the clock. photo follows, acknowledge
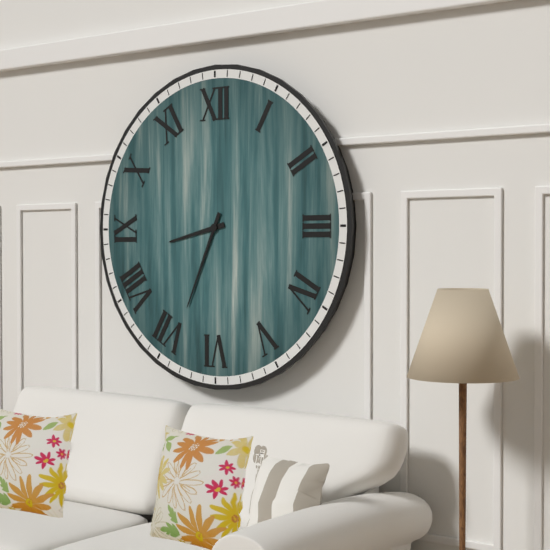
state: 8:34
